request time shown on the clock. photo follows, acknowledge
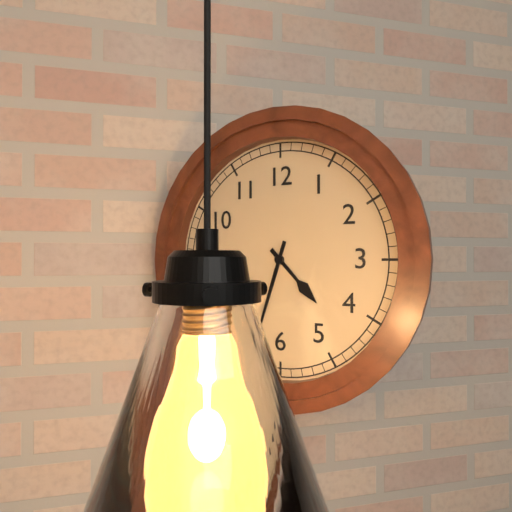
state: 4:33
